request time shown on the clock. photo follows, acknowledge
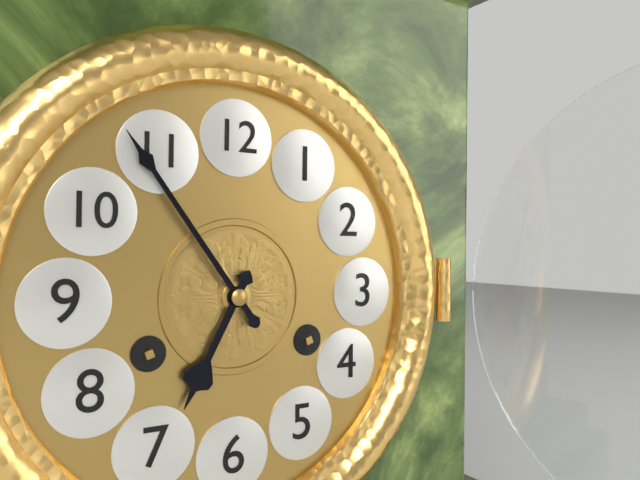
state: 6:54
